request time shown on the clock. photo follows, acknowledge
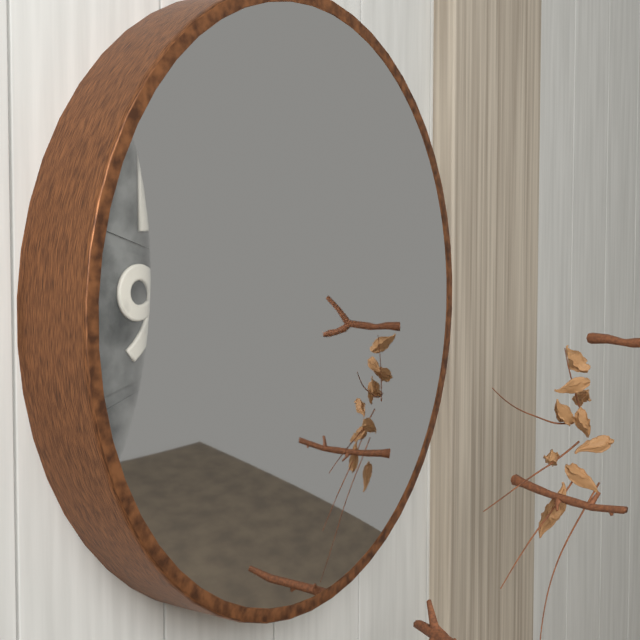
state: 5:12
